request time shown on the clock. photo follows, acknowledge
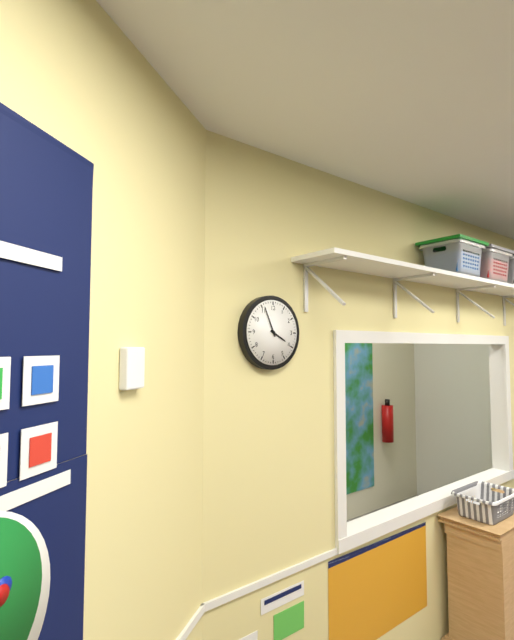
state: 3:56
